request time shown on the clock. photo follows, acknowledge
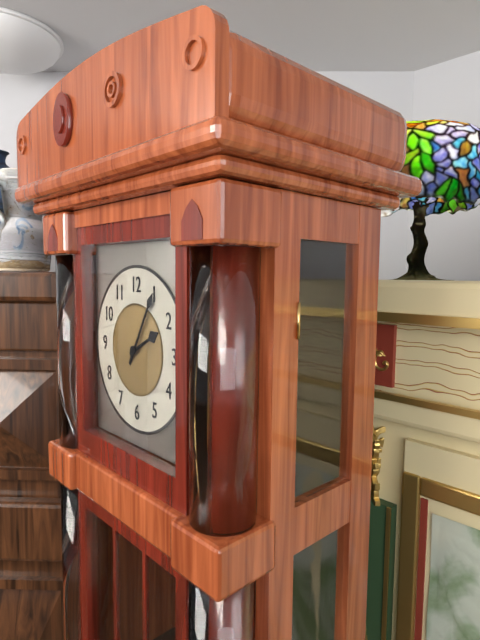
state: 2:05
